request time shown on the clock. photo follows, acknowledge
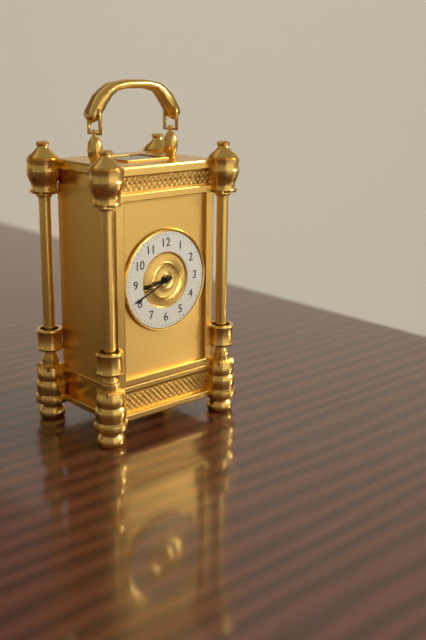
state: 8:41
